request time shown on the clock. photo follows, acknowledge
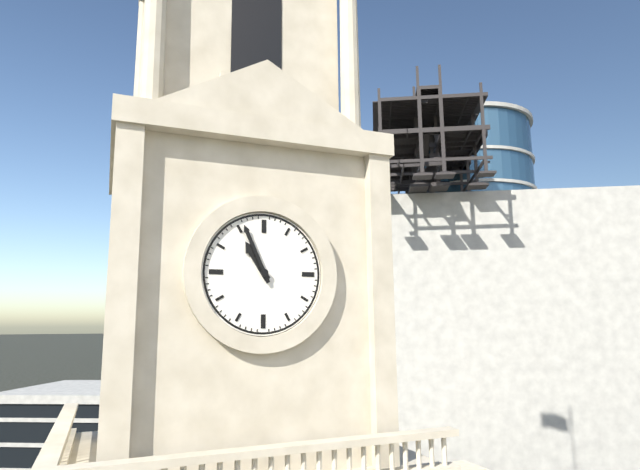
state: 10:56
